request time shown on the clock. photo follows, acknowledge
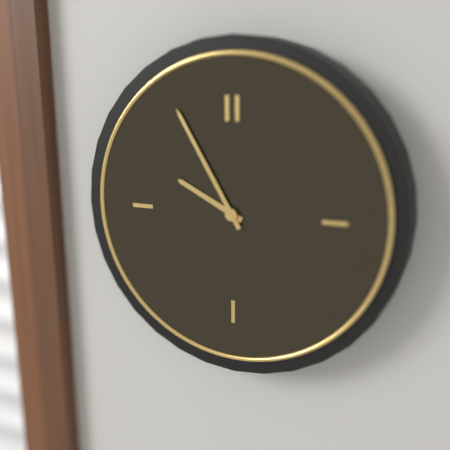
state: 9:55
